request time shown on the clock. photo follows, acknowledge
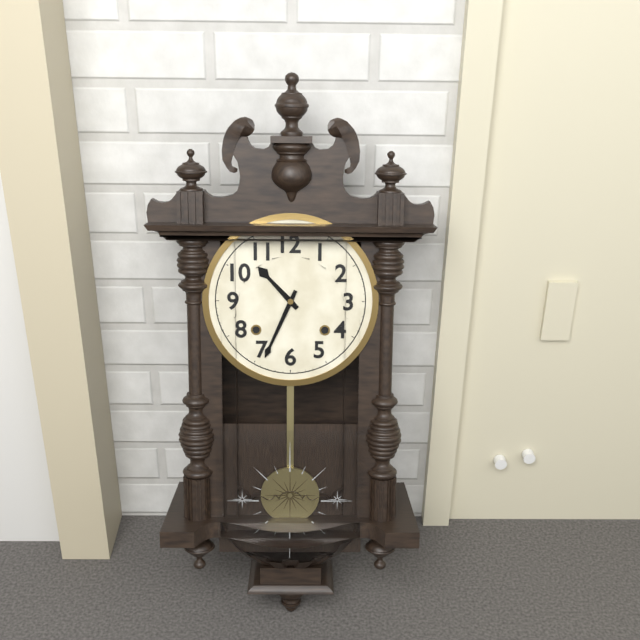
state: 10:34
